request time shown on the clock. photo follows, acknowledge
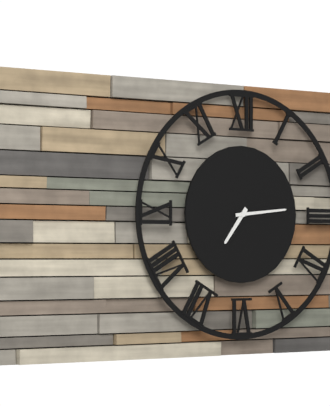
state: 7:14
